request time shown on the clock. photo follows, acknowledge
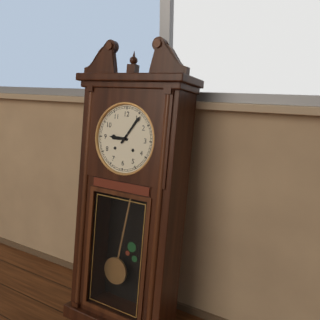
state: 9:06
